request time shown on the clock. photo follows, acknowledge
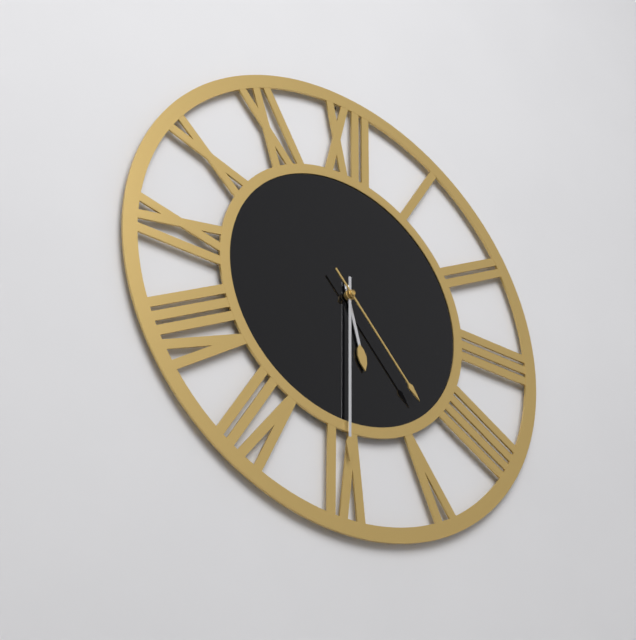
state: 5:30:23
